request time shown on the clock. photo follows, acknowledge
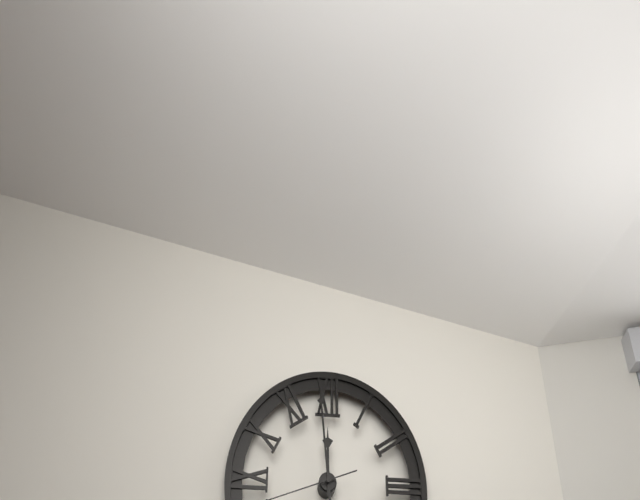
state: 11:59
